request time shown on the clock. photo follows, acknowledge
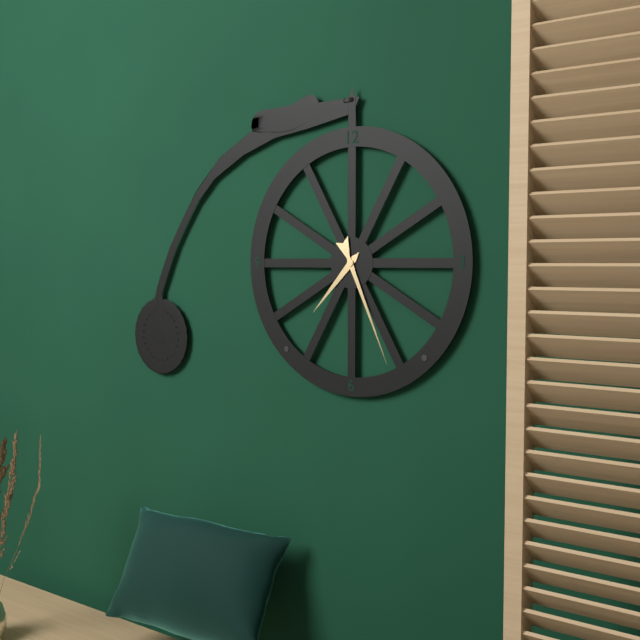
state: 7:26
